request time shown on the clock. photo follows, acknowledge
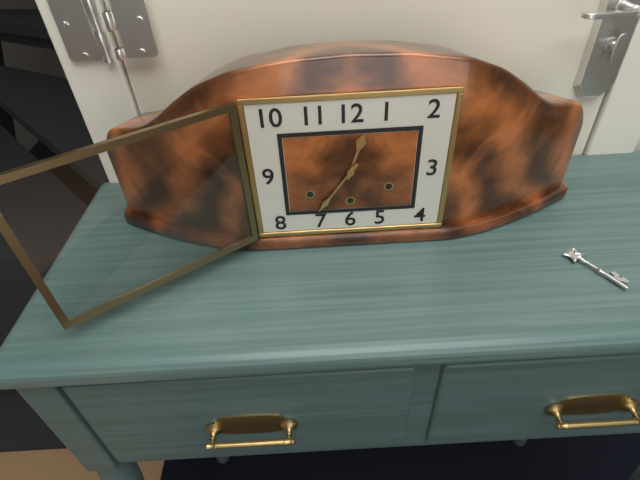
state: 12:36
